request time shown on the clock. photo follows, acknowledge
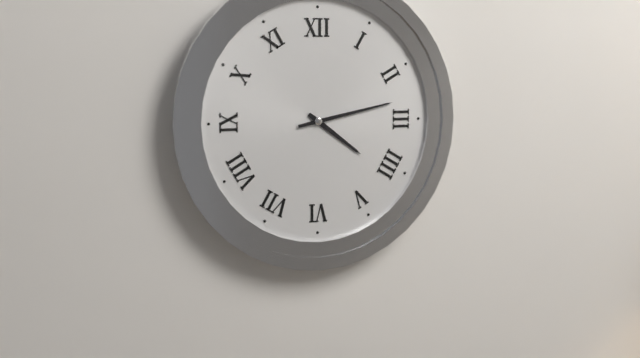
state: 4:13
